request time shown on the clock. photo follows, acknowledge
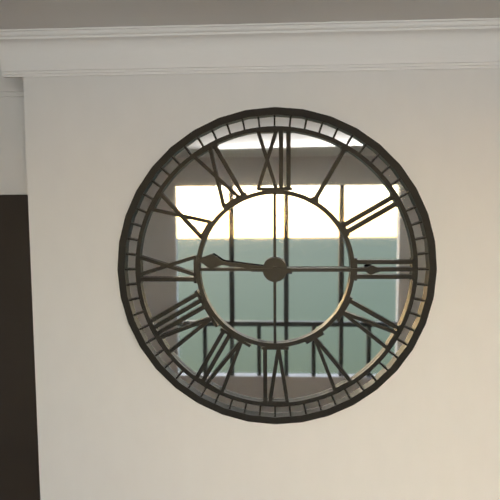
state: 9:15
